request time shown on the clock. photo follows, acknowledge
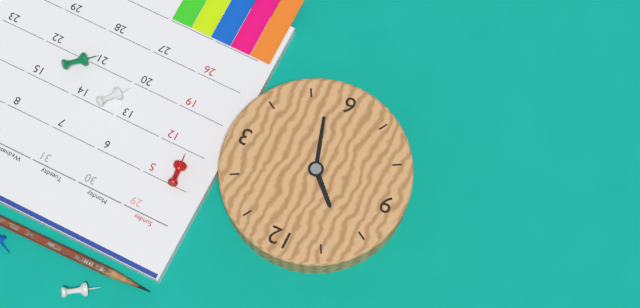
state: 10:27
